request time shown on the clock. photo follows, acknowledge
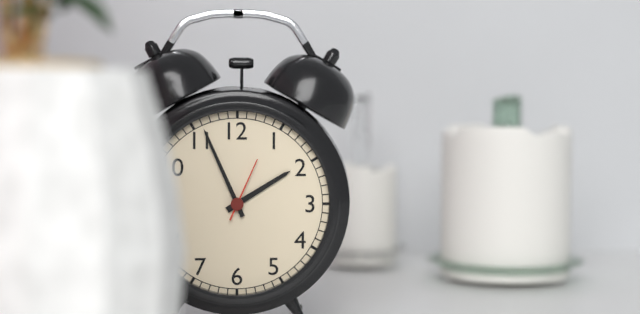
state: 1:56:04
